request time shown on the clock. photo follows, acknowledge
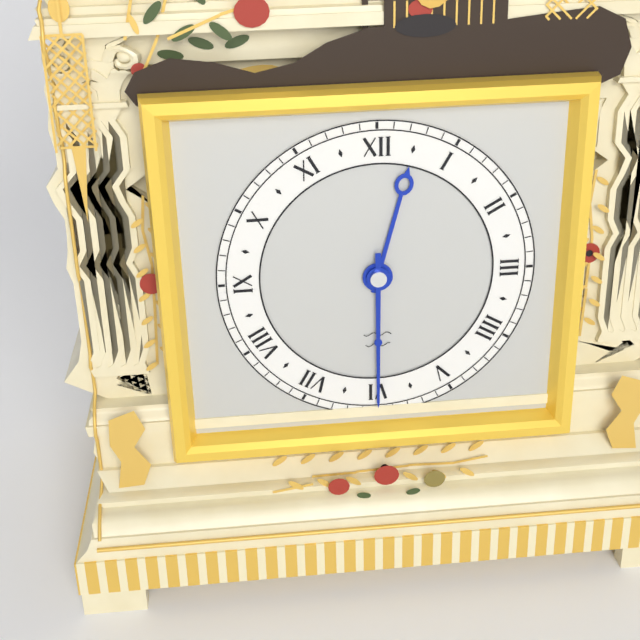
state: 12:30
